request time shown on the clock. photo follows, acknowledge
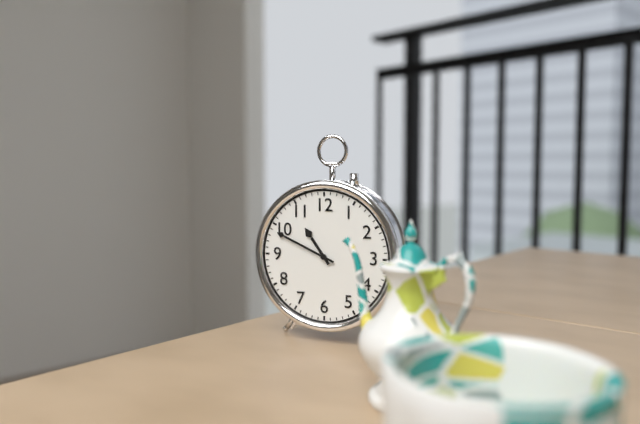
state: 10:49
